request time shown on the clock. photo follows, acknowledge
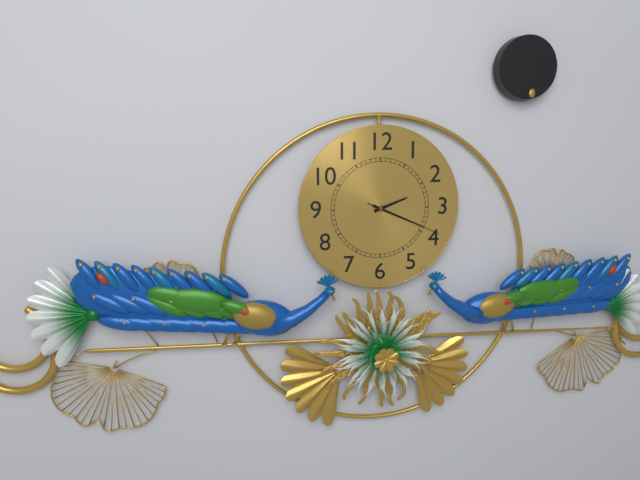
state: 2:19:19
